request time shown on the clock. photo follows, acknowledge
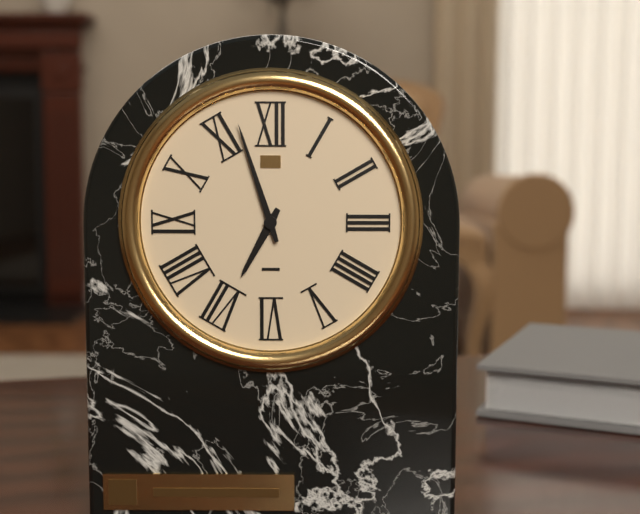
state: 6:57
